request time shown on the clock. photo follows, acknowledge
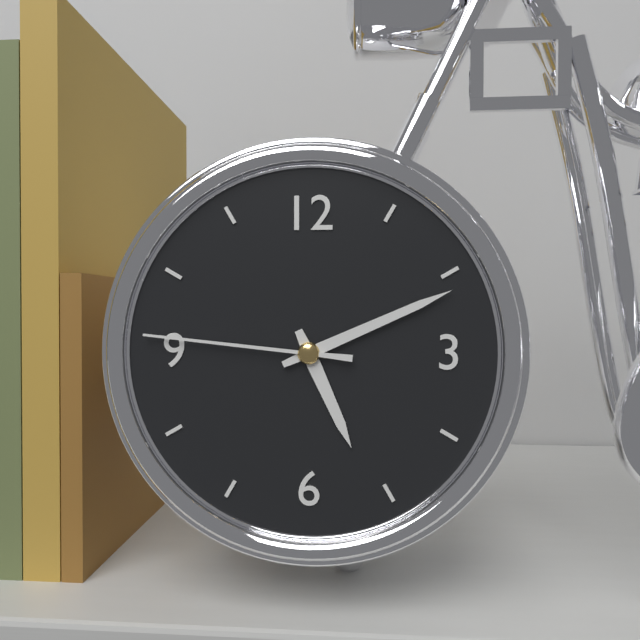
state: 5:11:46
